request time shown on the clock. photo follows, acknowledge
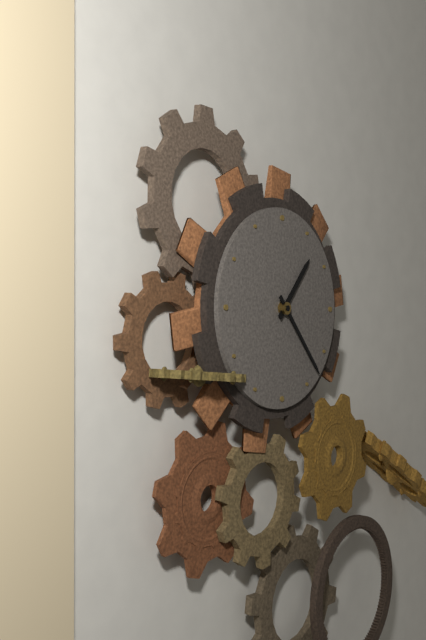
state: 1:23
